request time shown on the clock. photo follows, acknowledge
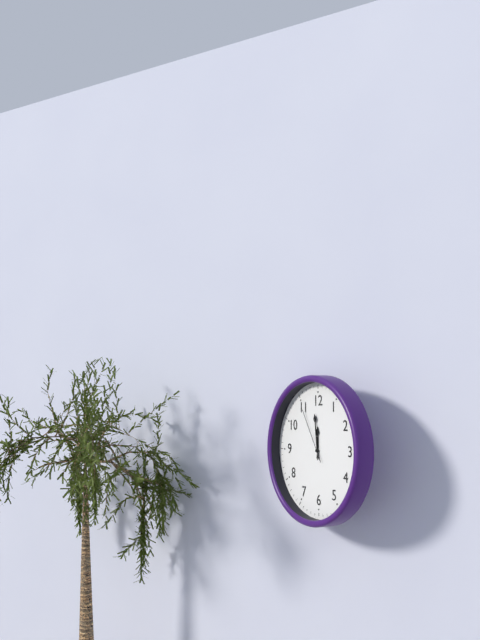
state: 11:59:55
